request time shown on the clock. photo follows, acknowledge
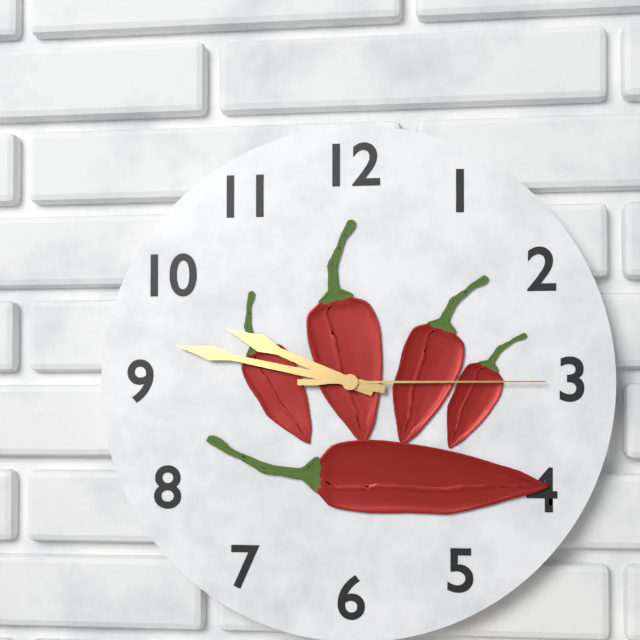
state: 9:47:15
